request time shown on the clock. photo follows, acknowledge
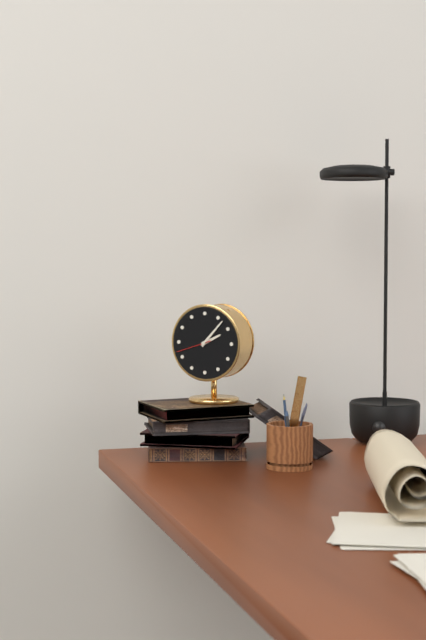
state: 2:07
